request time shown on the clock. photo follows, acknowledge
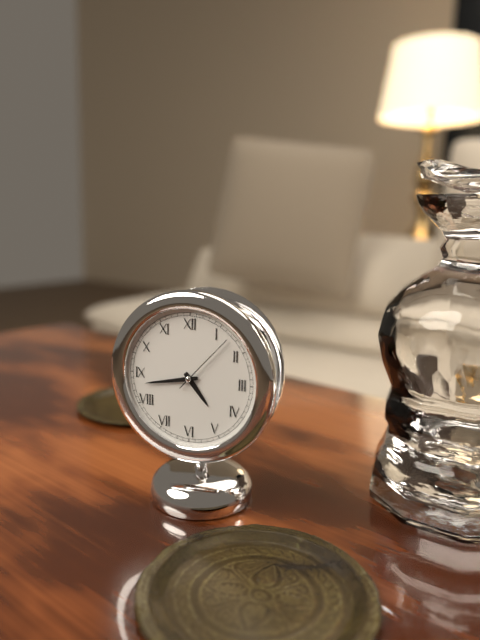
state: 4:43:07
